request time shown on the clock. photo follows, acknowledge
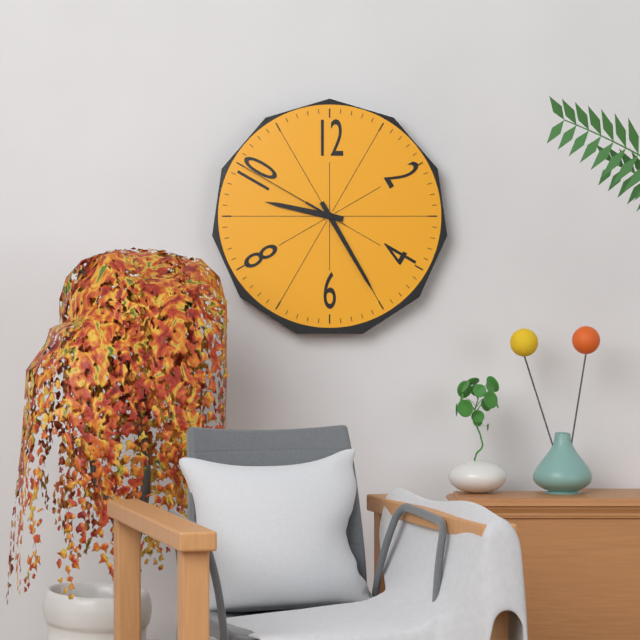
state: 9:25:50
